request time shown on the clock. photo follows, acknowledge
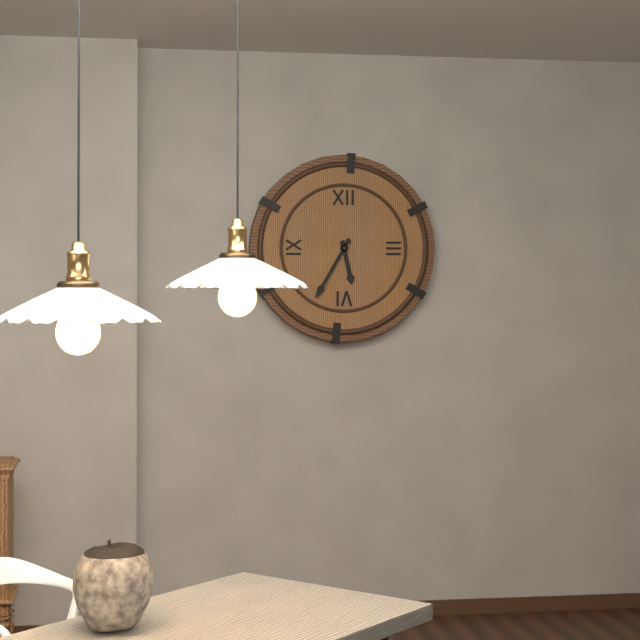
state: 5:35
